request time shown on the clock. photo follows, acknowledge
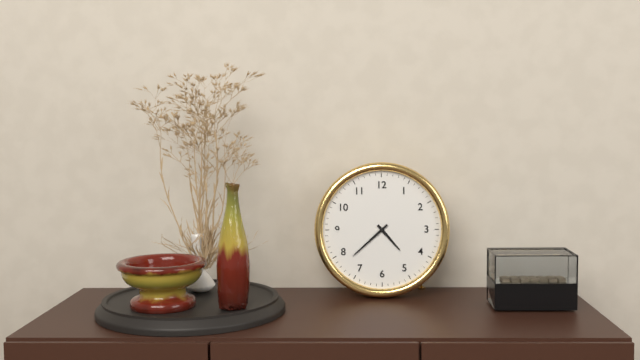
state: 4:38
